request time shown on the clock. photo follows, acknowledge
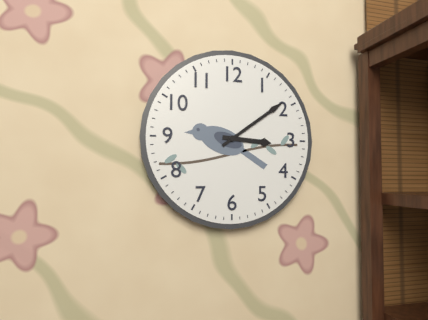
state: 3:09
